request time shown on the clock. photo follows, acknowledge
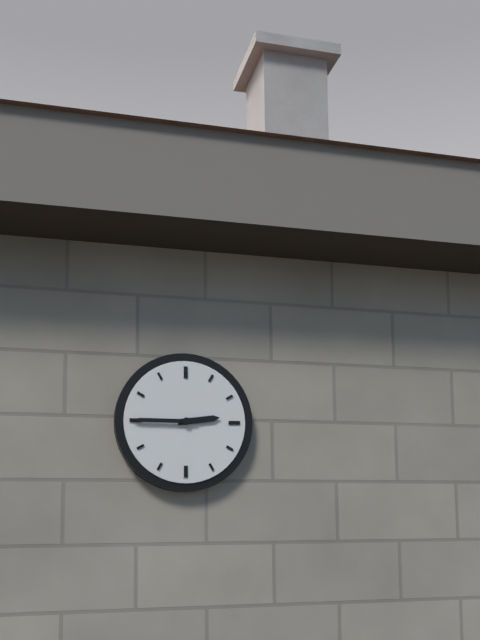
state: 2:45
